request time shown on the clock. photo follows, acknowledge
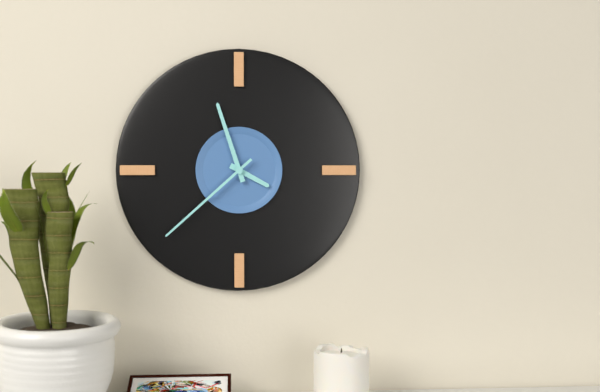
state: 3:57:38
